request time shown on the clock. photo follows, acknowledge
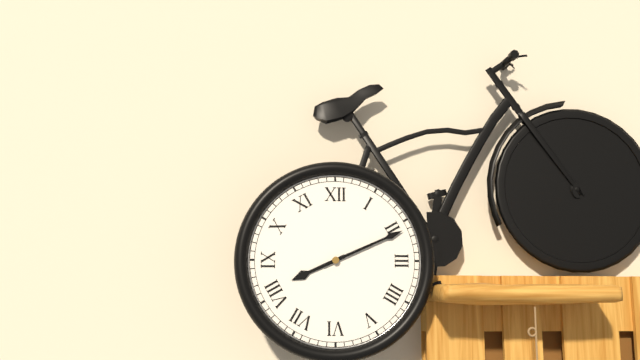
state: 8:11
